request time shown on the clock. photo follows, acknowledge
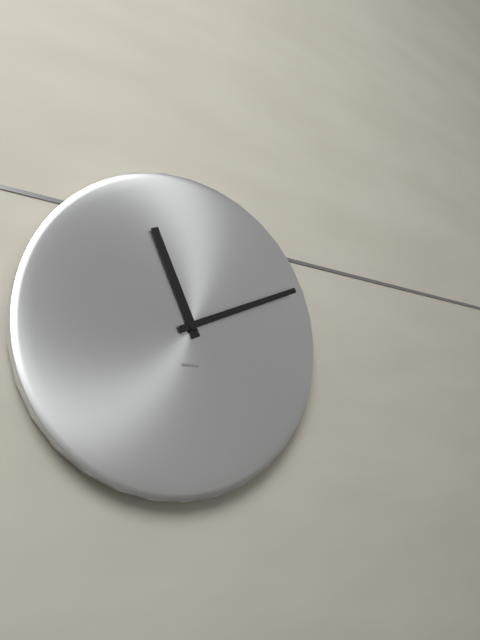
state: 11:11
